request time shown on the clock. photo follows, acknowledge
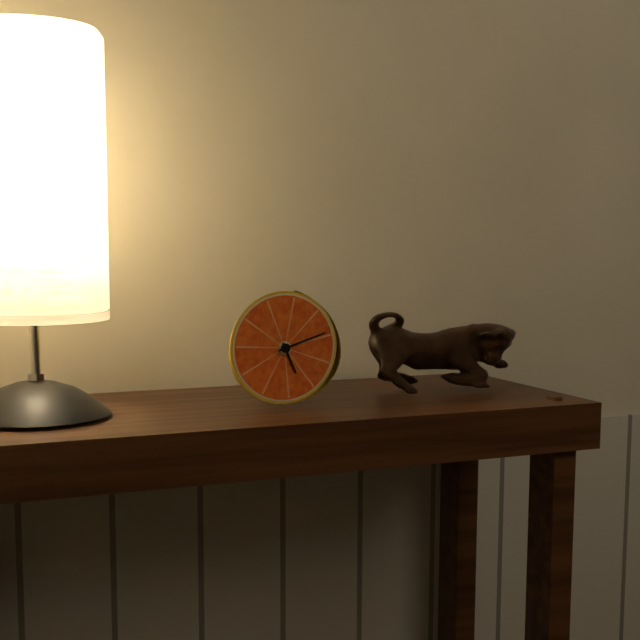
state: 5:12
